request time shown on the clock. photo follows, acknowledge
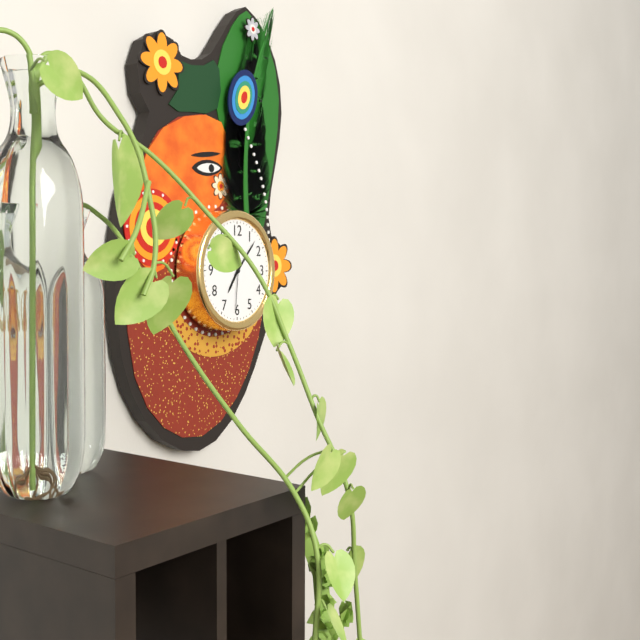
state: 7:07:31
